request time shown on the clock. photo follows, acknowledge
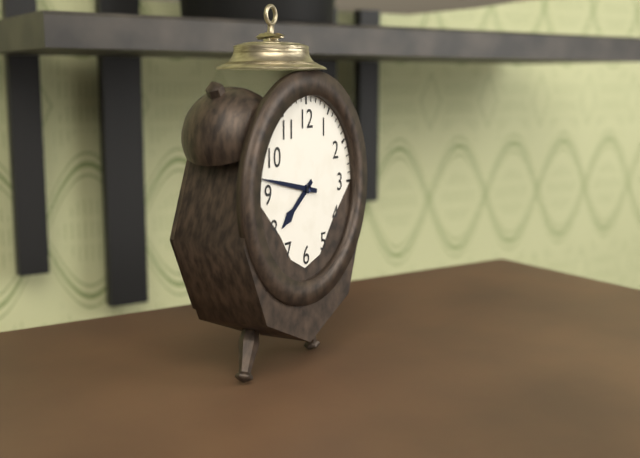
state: 7:47
